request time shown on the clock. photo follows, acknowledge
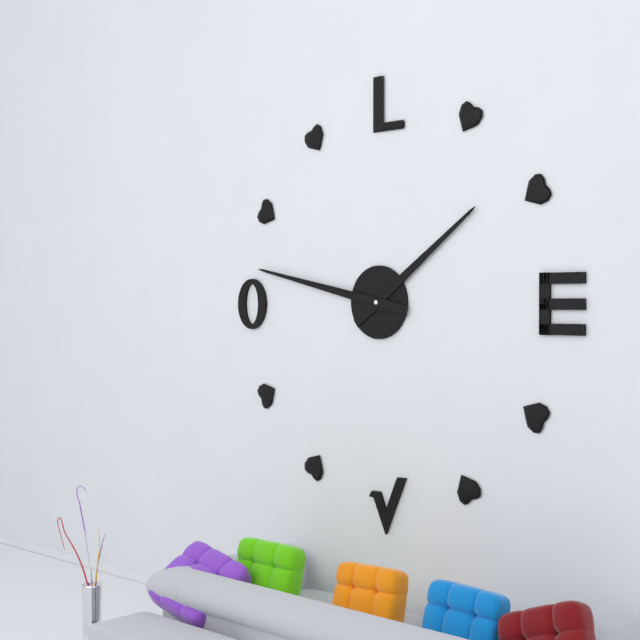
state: 1:47
